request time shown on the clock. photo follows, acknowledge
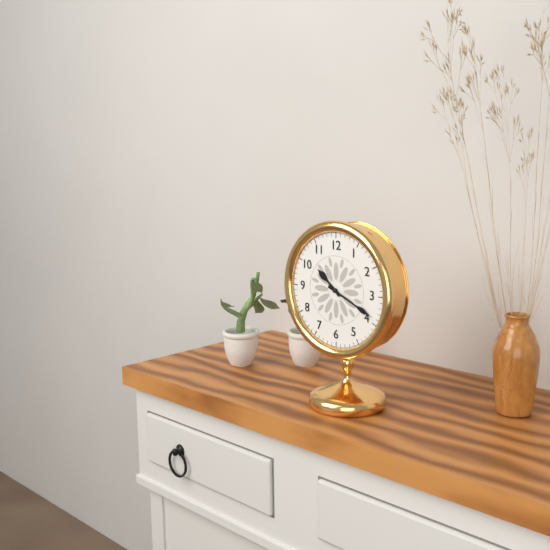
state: 10:19
